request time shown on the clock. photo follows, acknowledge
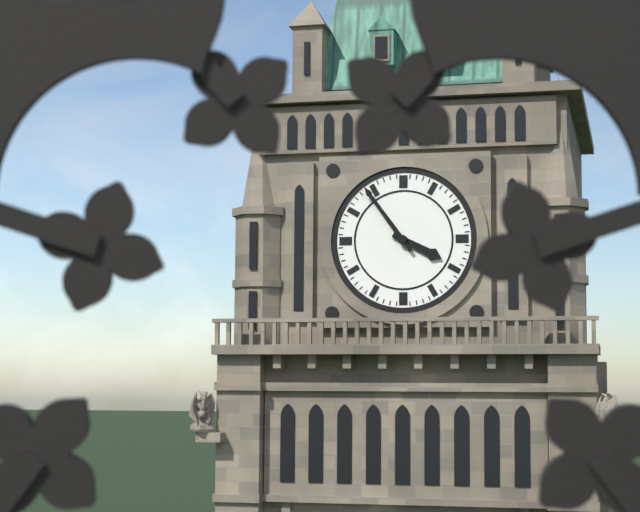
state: 3:54
